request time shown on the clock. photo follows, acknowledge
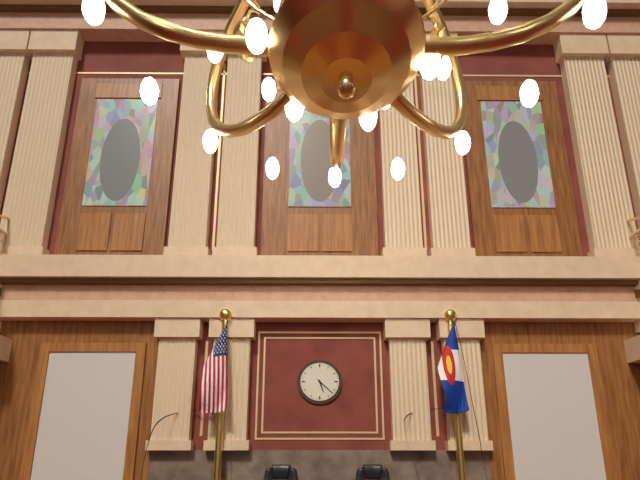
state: 5:22
